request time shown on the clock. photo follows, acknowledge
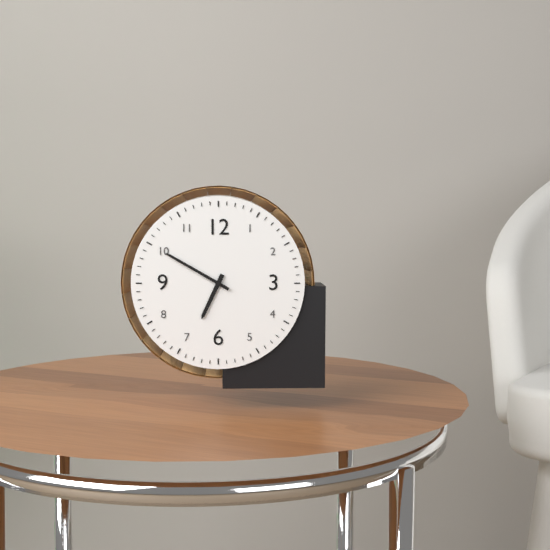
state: 6:50
